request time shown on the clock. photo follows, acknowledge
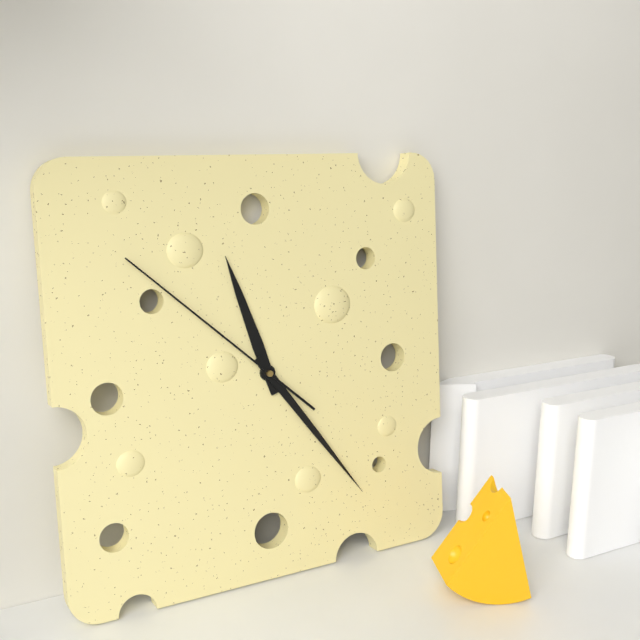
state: 11:24:52
